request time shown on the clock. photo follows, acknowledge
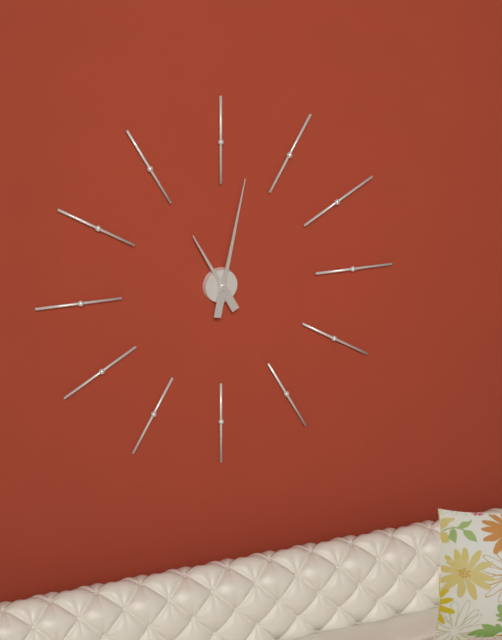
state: 11:02
